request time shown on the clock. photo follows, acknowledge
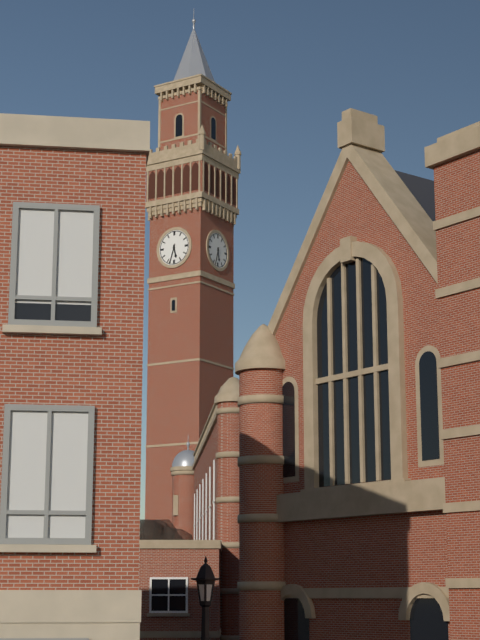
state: 5:33
